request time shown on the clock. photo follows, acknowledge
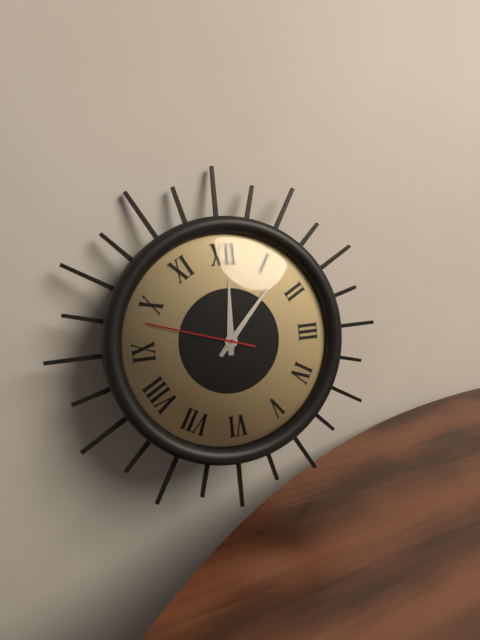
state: 12:07:48
